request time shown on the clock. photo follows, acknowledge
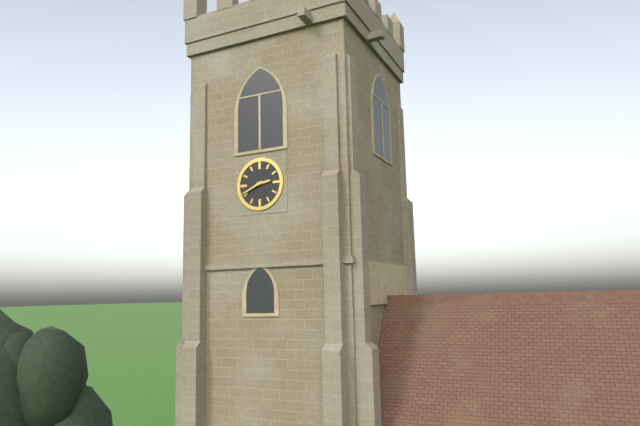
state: 2:41
